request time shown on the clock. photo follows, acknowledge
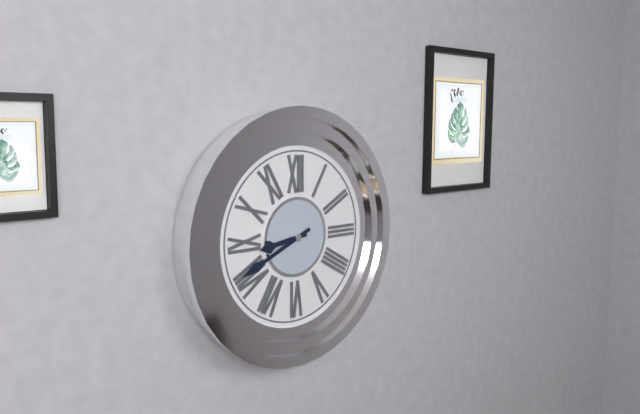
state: 8:41
